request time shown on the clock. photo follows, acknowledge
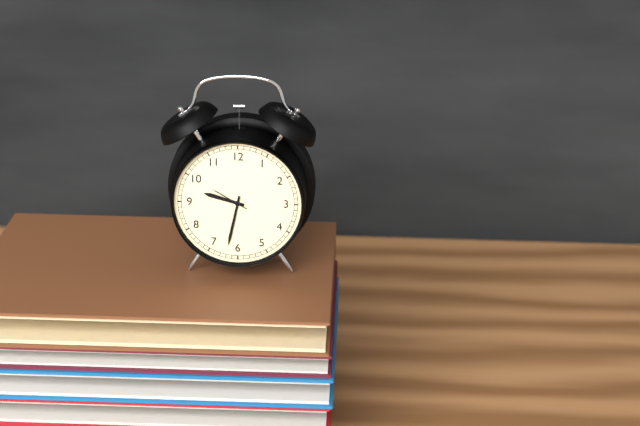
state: 9:32
